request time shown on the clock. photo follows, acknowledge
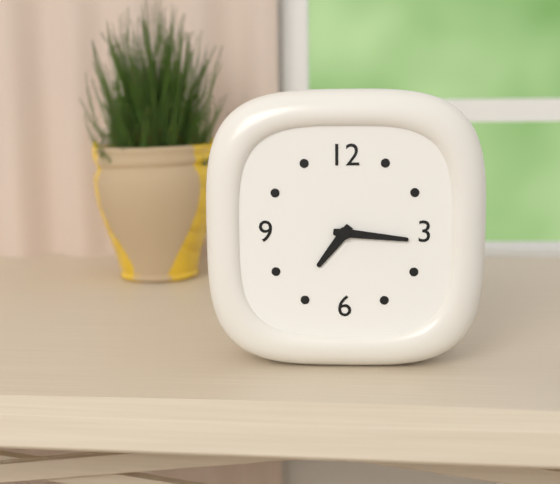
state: 7:16
